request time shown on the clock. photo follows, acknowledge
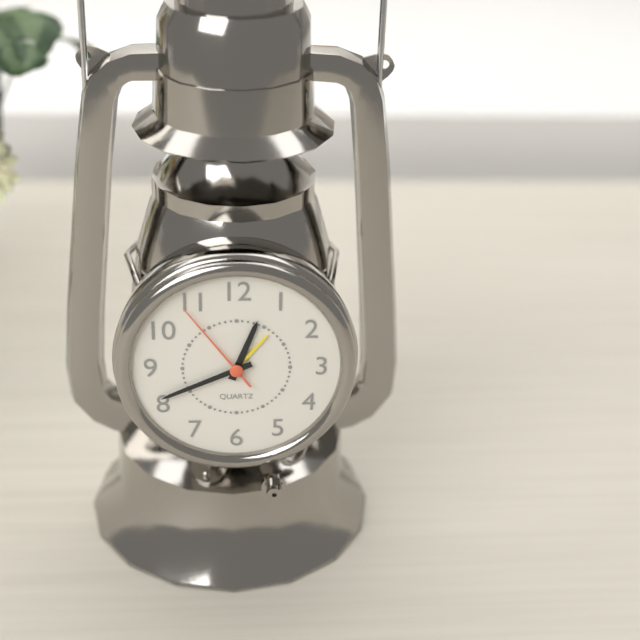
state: 12:41:54
